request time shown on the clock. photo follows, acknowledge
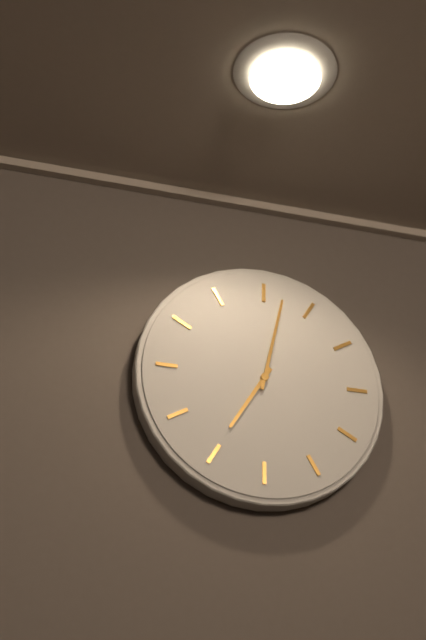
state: 7:02
